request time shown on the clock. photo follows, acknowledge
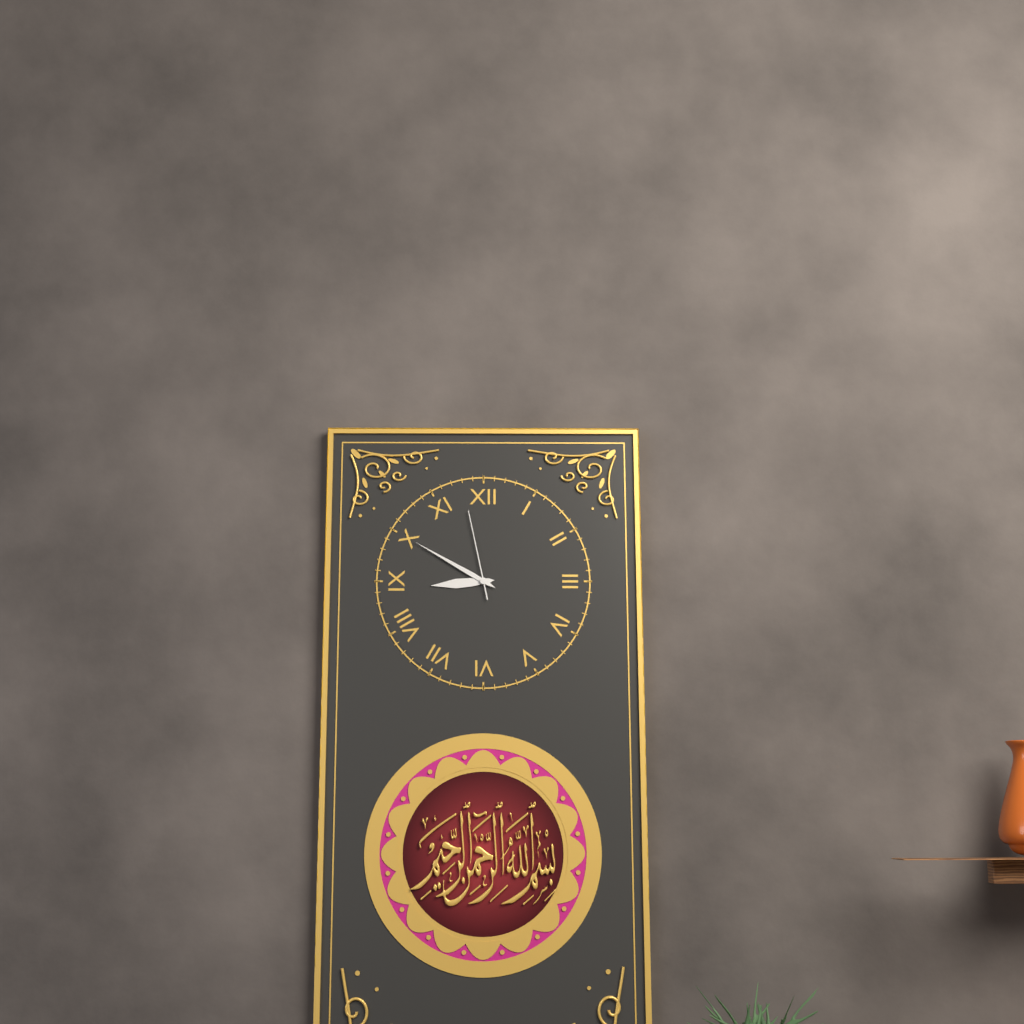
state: 8:50:58
